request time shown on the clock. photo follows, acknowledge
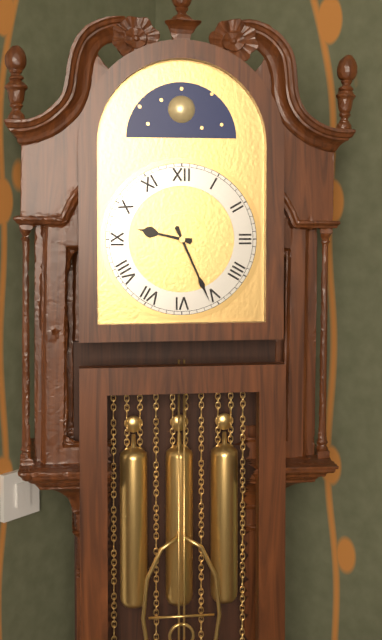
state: 9:26
